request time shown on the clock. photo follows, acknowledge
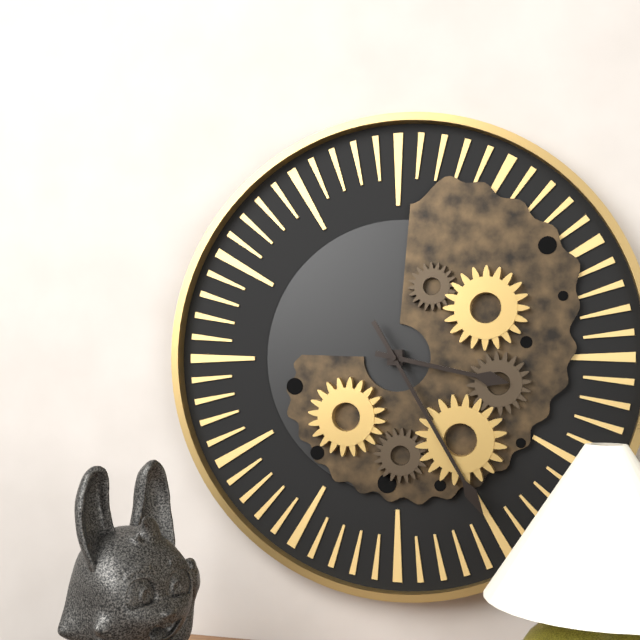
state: 3:25
